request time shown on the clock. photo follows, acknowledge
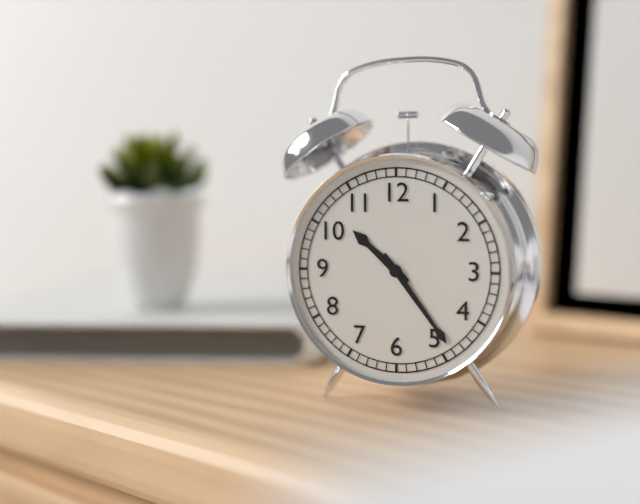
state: 10:24
